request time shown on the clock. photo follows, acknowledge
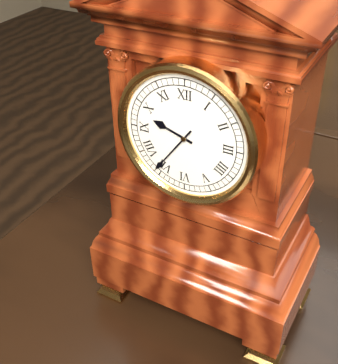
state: 9:36
